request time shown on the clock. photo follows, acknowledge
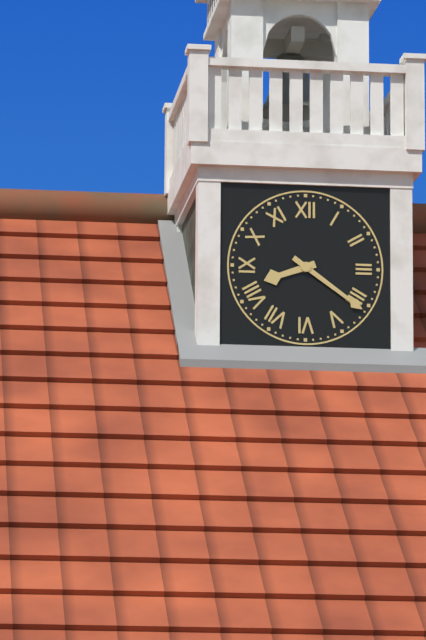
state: 8:21
